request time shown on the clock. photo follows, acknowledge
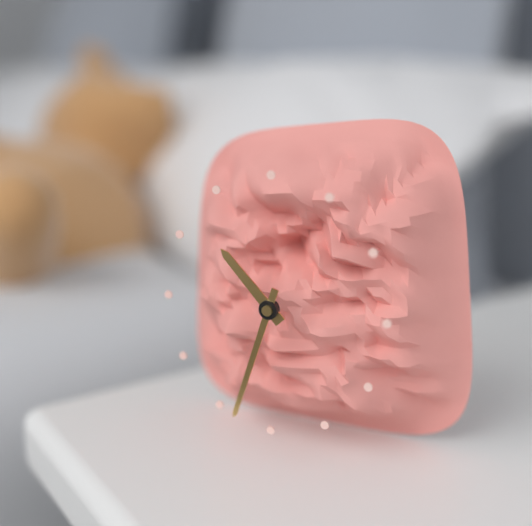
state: 10:33
